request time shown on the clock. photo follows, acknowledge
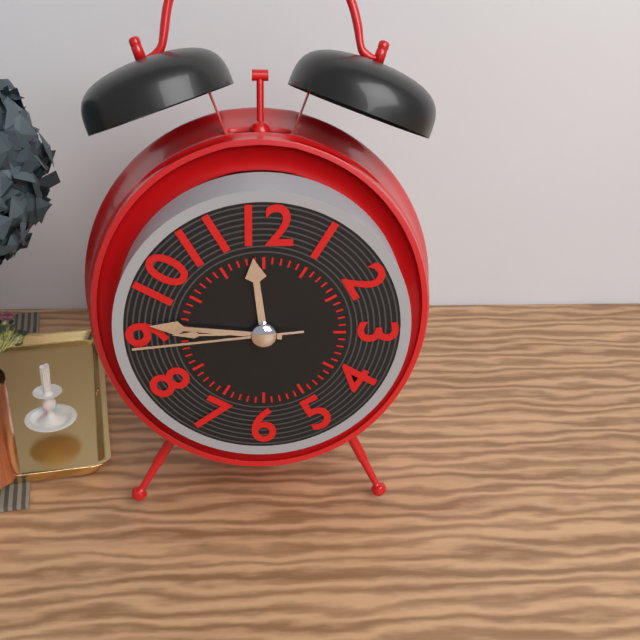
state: 11:46:44
